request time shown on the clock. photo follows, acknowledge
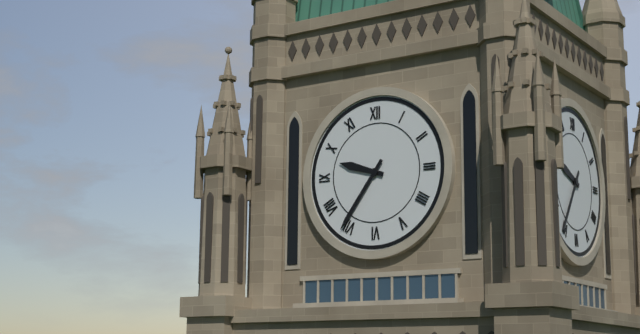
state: 9:36
